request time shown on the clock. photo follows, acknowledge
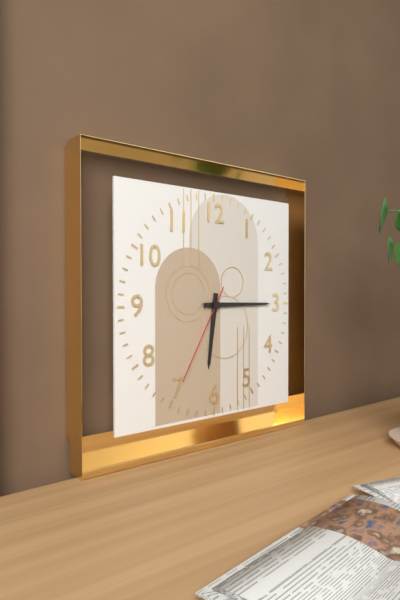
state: 6:15:35
